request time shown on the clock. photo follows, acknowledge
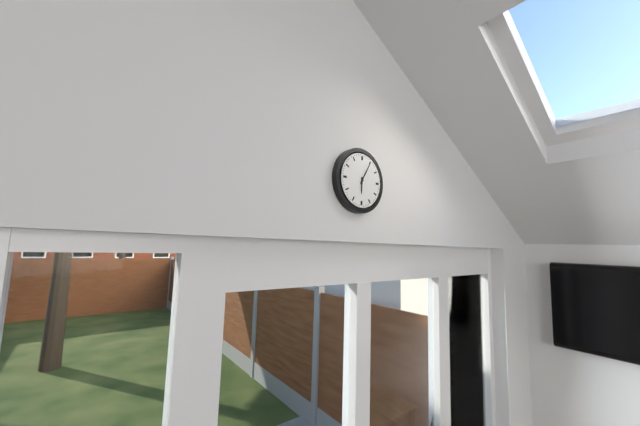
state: 6:05
